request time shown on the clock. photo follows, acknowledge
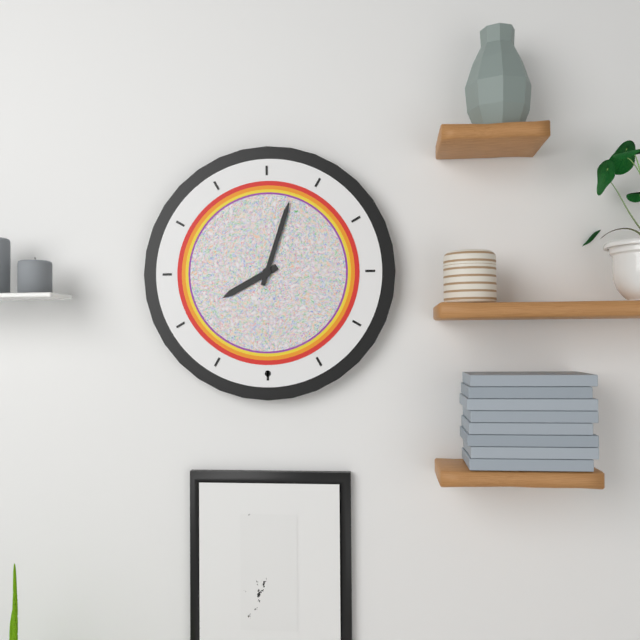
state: 8:03
